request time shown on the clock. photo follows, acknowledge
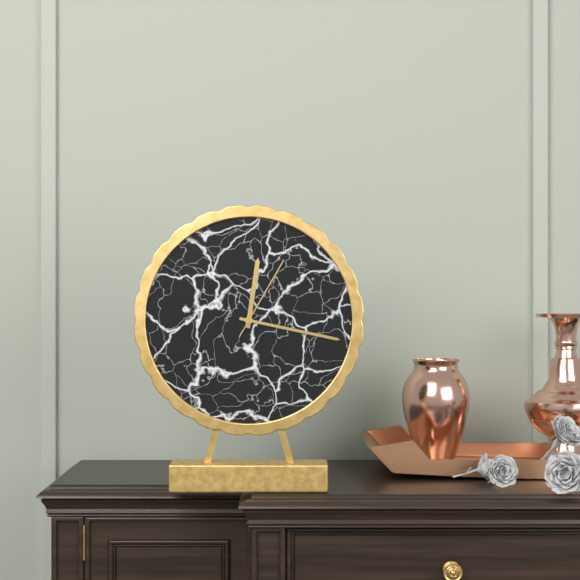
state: 12:17:05
